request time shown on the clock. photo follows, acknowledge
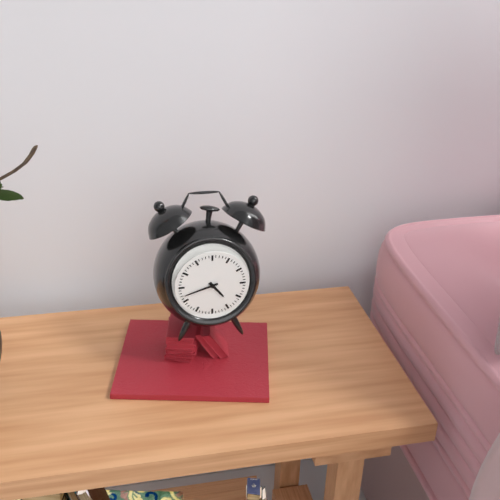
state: 4:42
